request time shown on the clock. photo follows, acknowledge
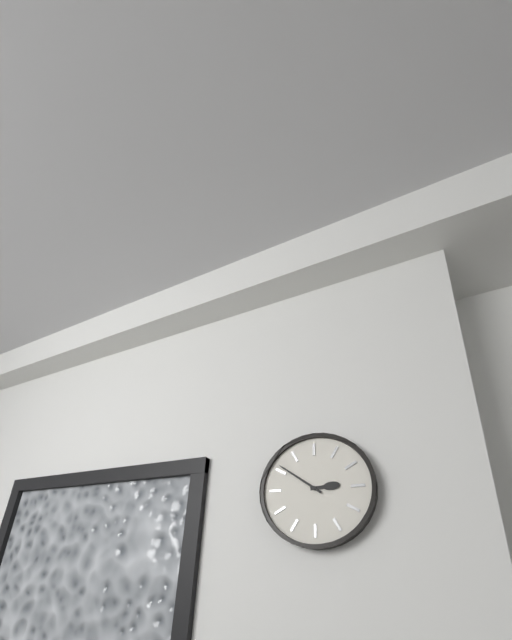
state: 2:51
